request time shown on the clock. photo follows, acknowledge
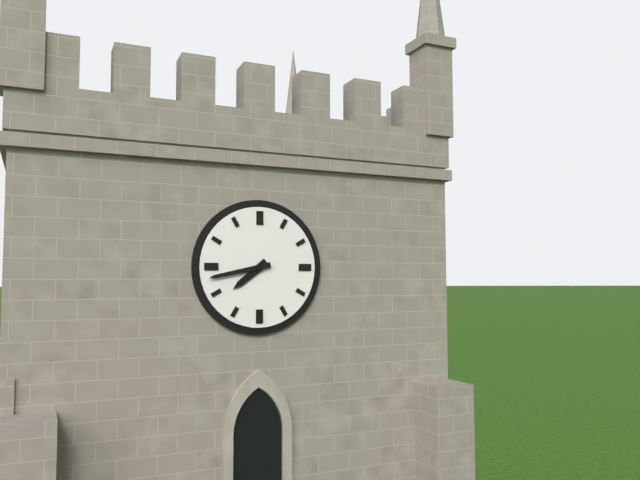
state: 7:43
